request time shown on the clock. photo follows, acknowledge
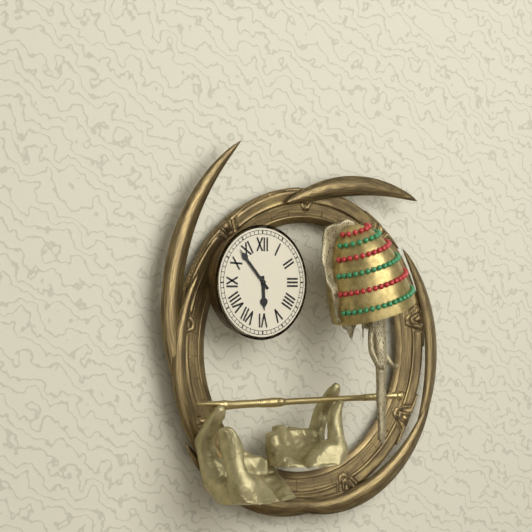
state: 5:53
